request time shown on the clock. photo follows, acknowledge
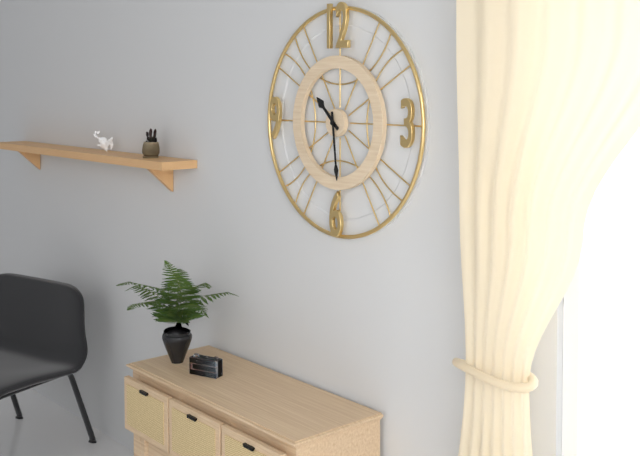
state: 10:29
